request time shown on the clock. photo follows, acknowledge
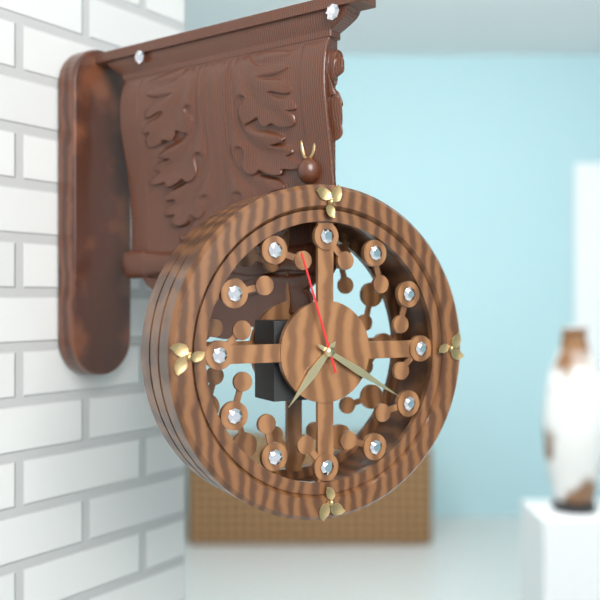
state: 7:20:57
